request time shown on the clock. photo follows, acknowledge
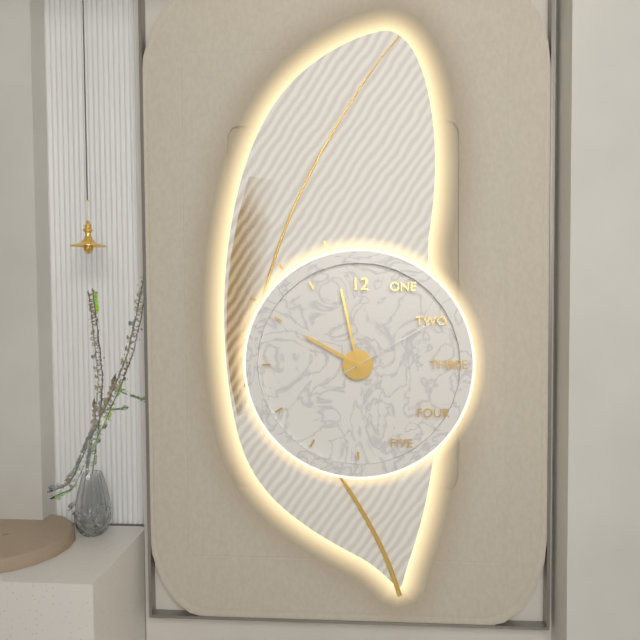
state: 9:58:10
